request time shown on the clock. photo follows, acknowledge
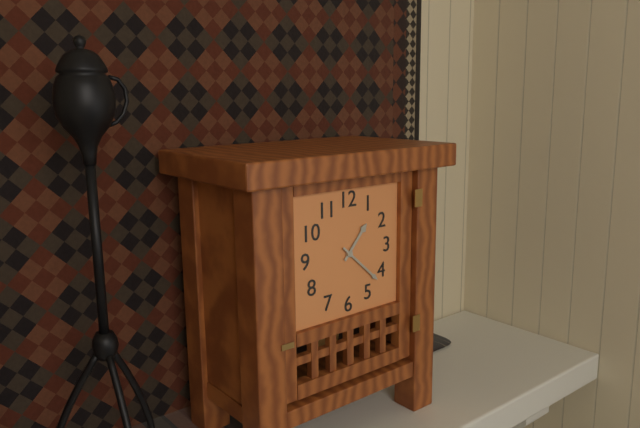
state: 1:22
